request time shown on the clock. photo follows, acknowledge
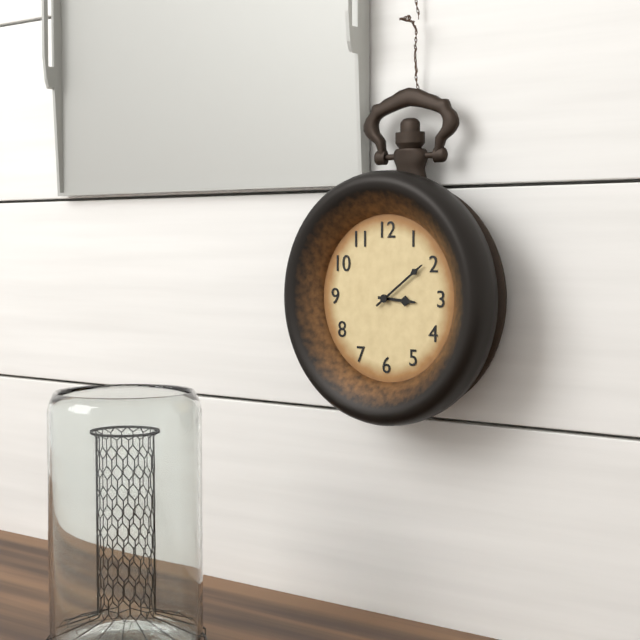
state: 3:09
